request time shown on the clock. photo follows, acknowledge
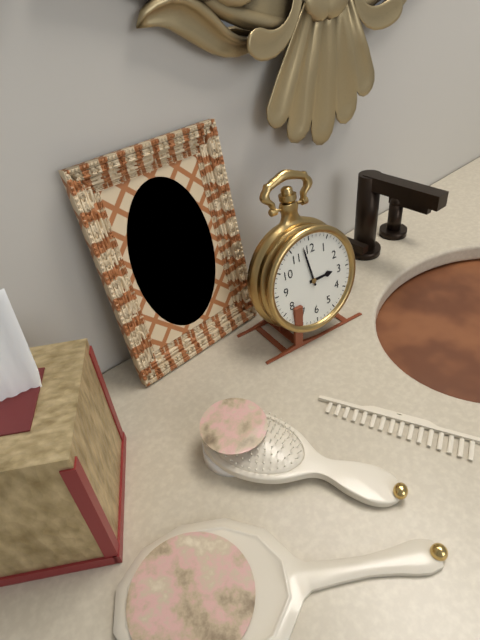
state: 2:58
